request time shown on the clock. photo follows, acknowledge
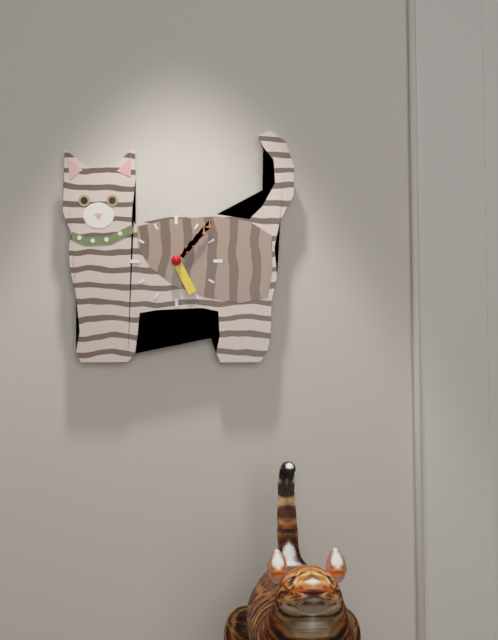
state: 5:07
